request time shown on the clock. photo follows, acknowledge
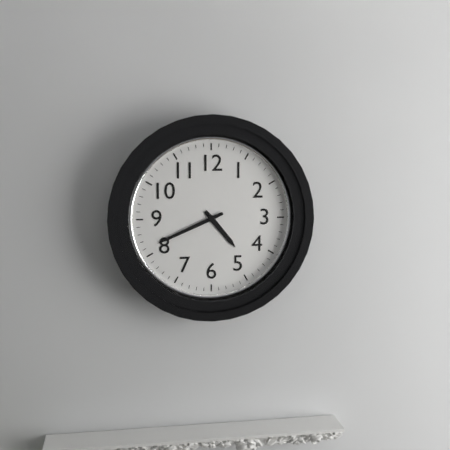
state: 4:41
